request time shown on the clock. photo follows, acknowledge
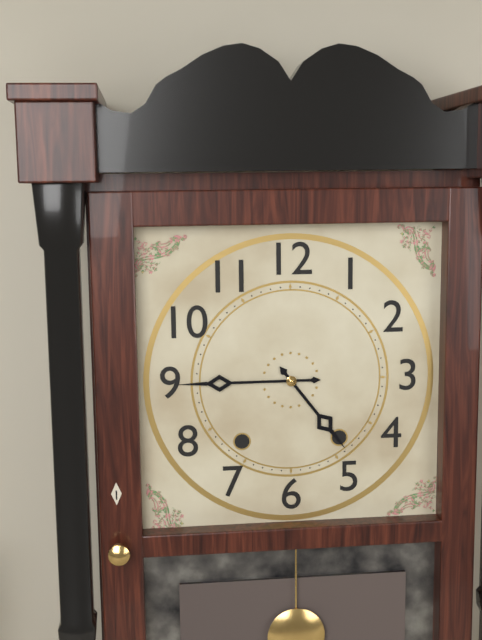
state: 4:45
